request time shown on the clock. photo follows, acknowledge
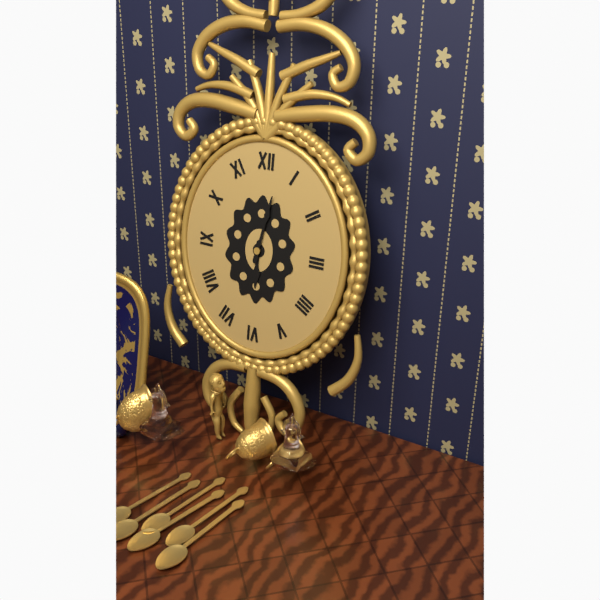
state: 6:02
